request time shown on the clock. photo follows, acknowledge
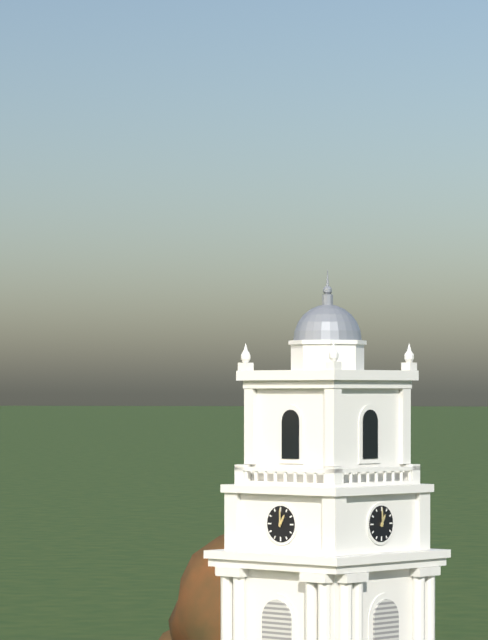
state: 1:00
